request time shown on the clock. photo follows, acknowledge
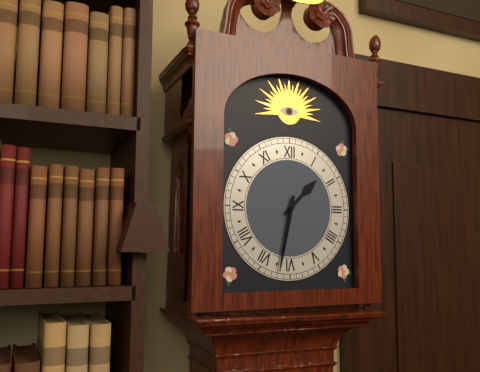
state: 1:32
